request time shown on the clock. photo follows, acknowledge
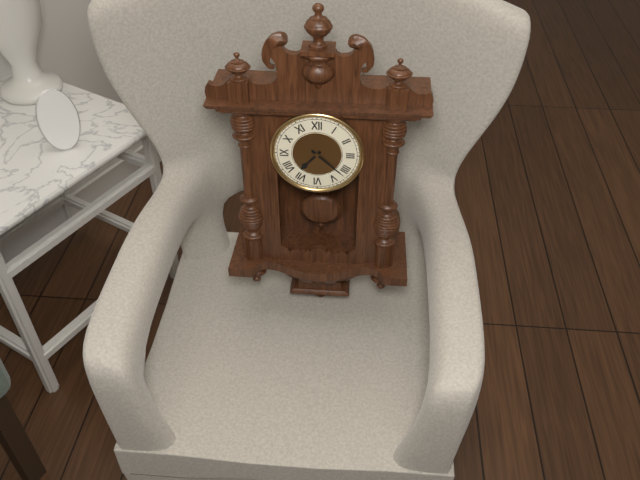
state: 7:22
